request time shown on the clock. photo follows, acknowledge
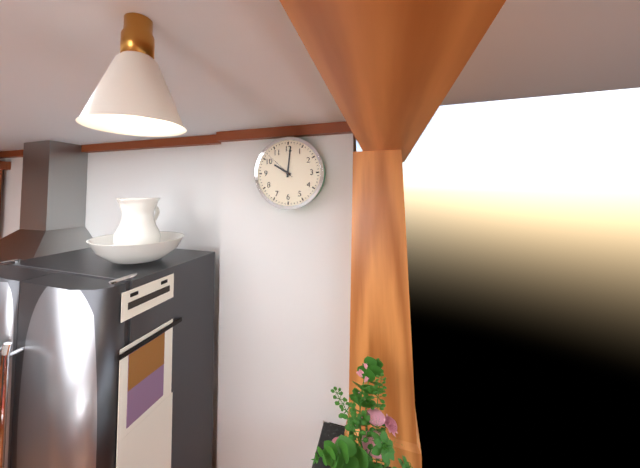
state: 10:01
